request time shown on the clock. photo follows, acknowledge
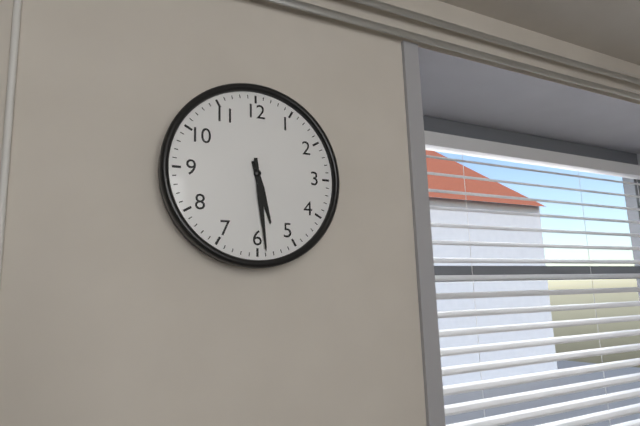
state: 5:29
